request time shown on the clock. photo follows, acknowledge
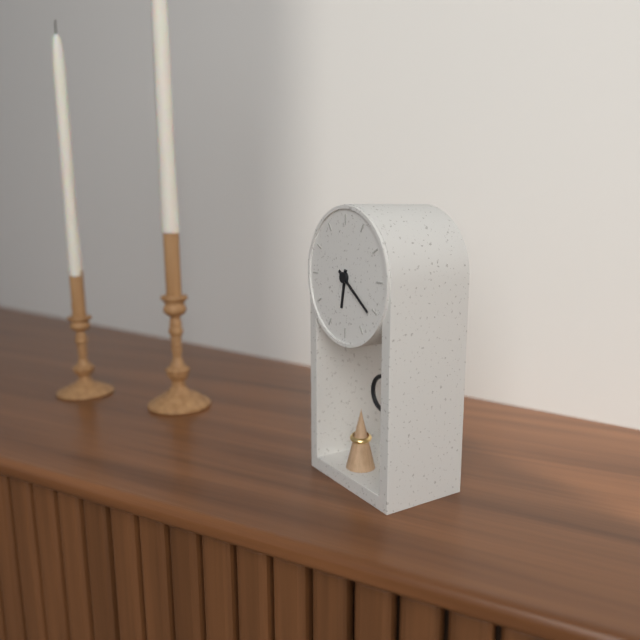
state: 6:21
